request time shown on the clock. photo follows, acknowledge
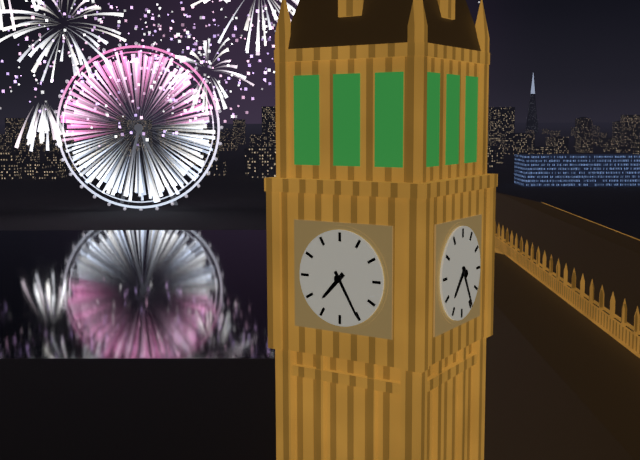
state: 7:25
